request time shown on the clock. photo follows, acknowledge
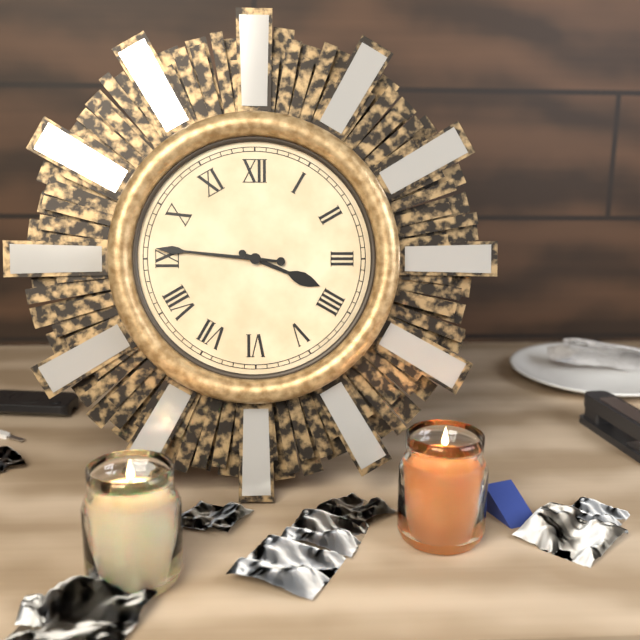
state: 3:46
